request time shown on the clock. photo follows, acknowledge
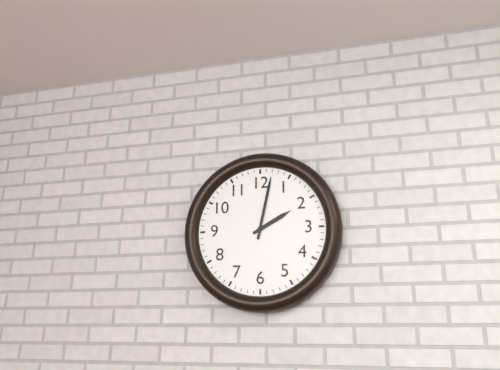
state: 2:02
